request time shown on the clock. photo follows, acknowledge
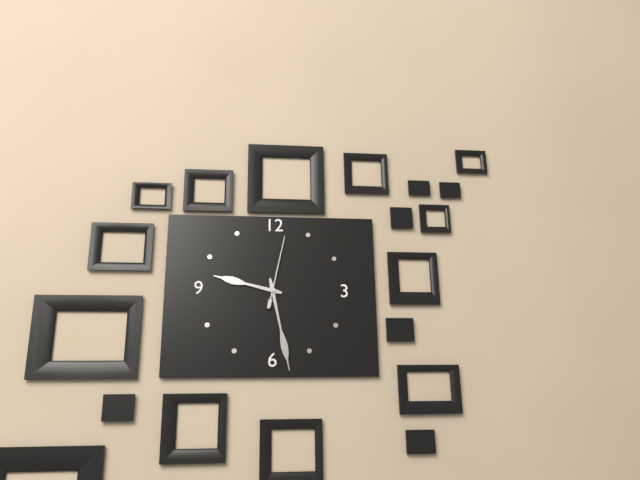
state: 9:28:02
